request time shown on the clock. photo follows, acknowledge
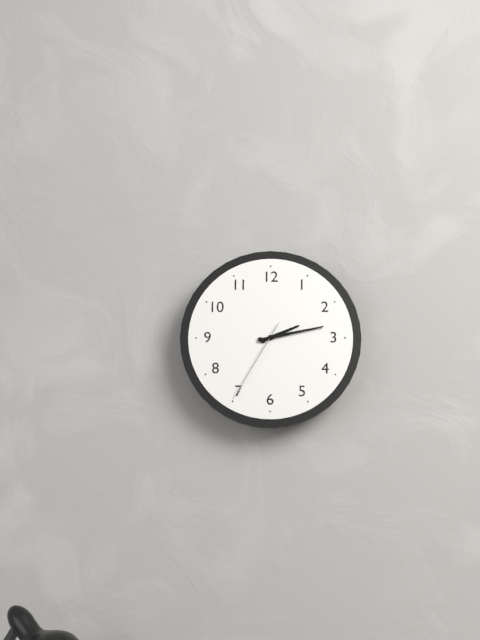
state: 2:13:35
